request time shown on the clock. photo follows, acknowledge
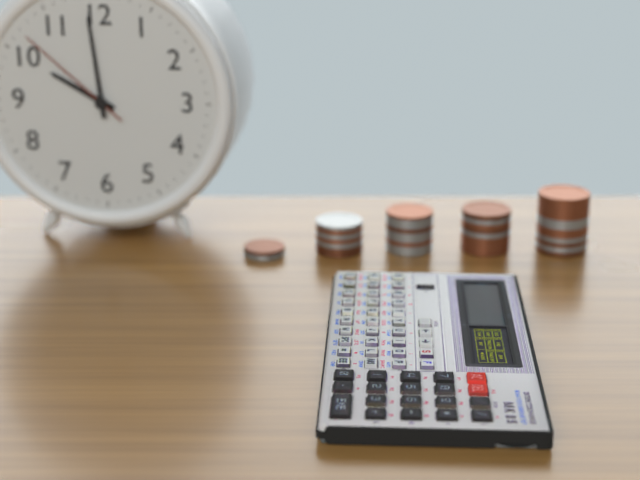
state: 9:59:52
